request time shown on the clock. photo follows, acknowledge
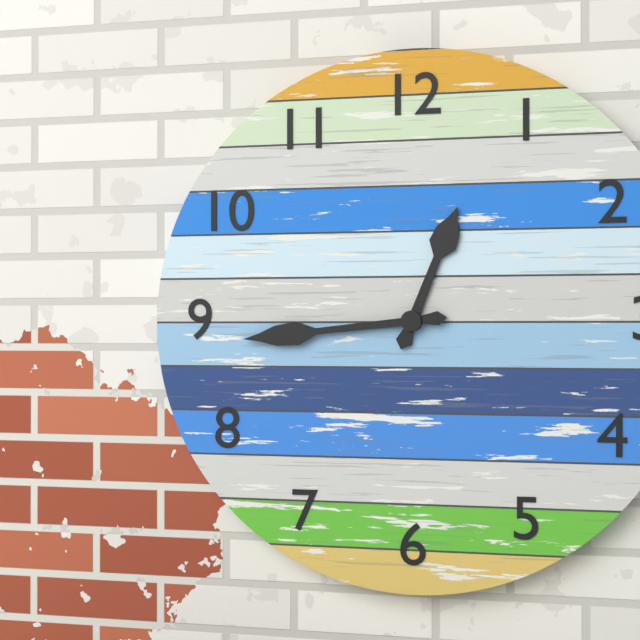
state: 12:44
